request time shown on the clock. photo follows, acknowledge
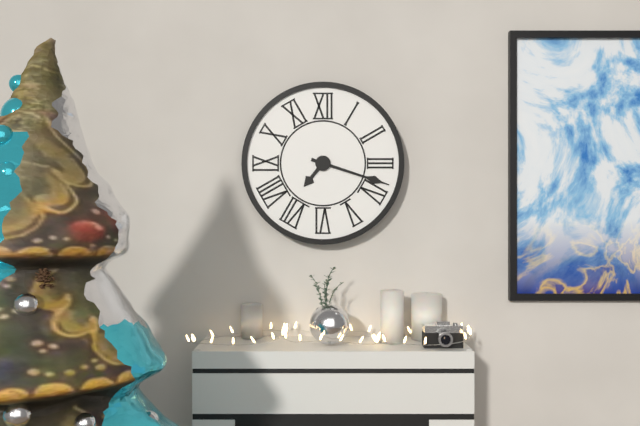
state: 7:18
